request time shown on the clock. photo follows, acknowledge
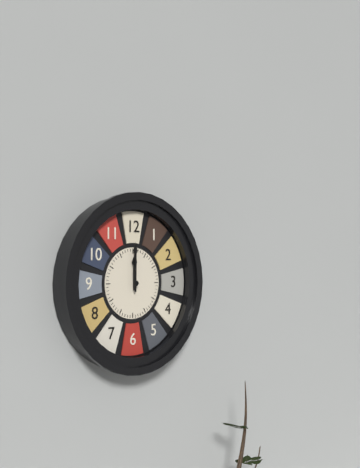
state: 12:00
